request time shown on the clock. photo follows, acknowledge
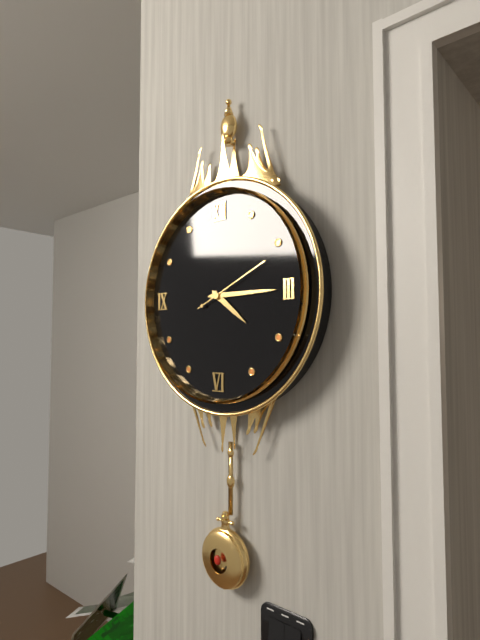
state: 4:15:11
